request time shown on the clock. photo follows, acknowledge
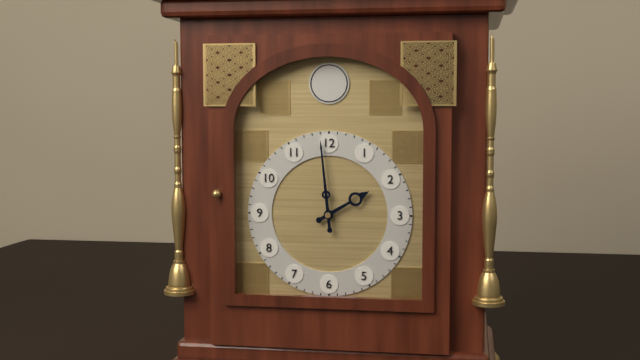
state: 1:59
